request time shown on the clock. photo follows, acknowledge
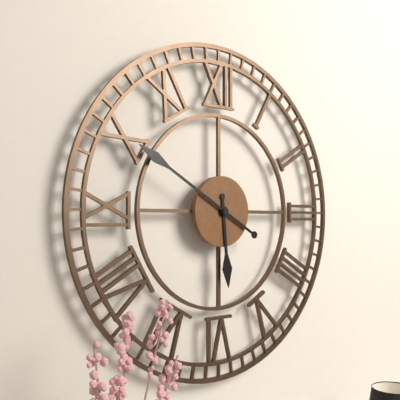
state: 5:50
